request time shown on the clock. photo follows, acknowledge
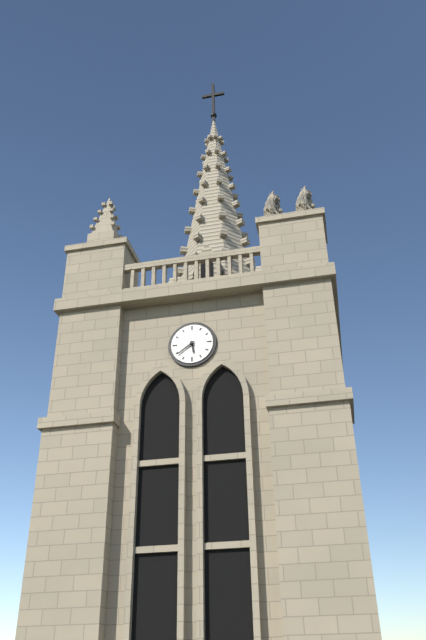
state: 5:39
